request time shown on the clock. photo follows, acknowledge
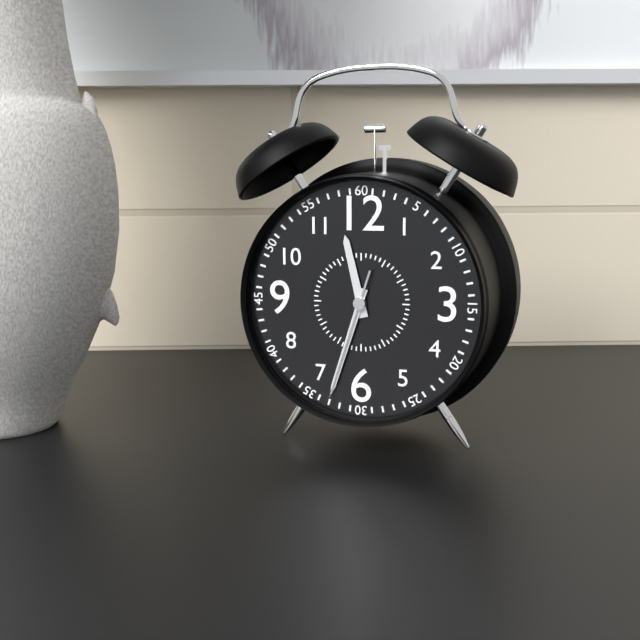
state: 11:33:33
